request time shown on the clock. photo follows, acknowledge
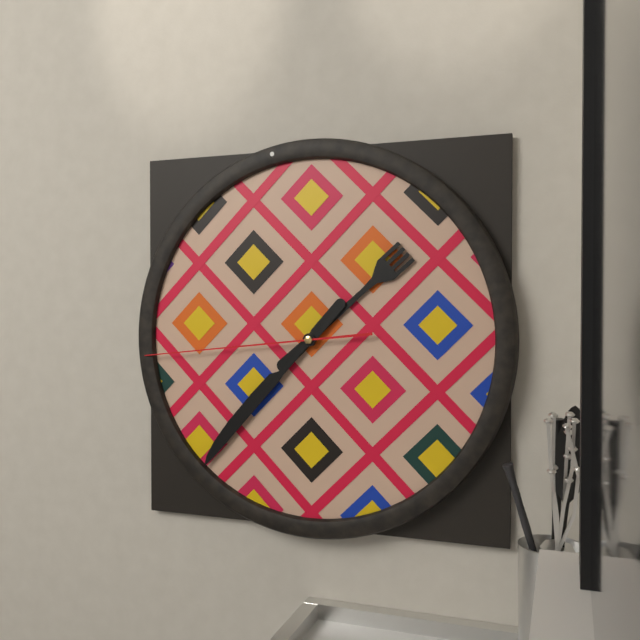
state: 1:37:44
